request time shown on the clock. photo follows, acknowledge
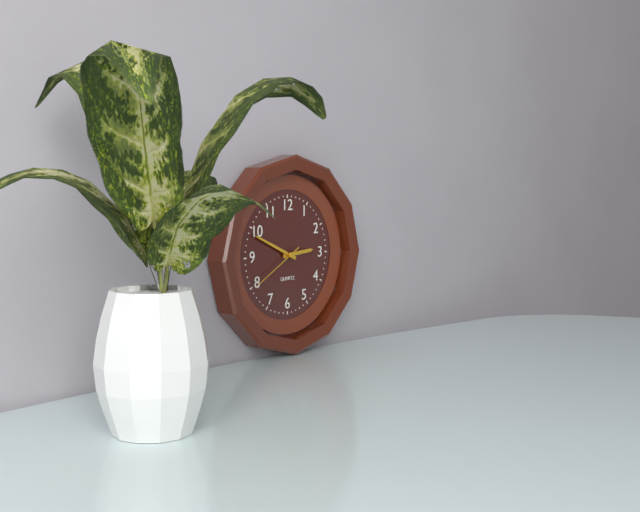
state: 2:49:40
